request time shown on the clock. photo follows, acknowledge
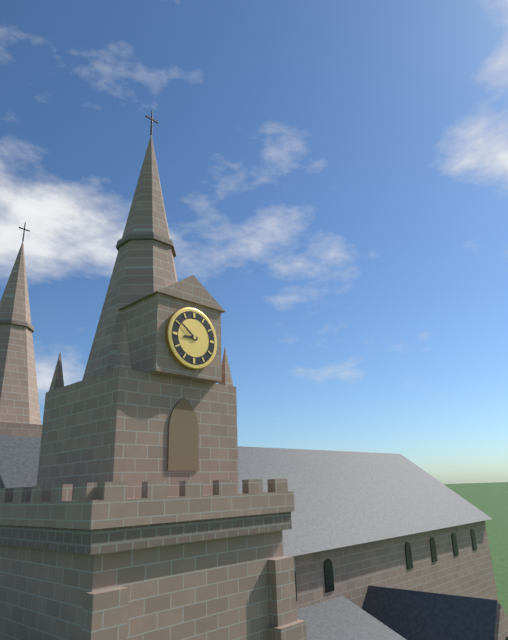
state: 8:51
